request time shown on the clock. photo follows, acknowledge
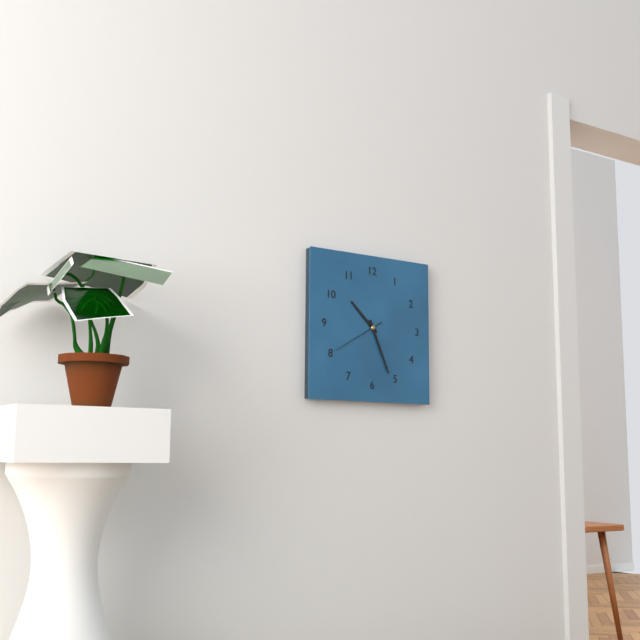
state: 10:26:40
